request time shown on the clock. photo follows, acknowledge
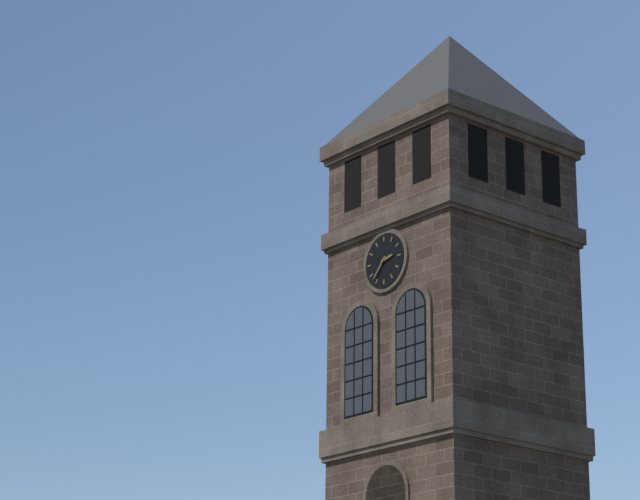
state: 2:37
